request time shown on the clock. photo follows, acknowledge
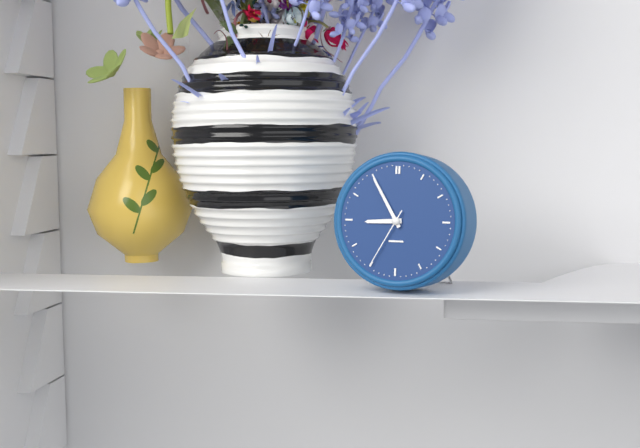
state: 8:55:35
